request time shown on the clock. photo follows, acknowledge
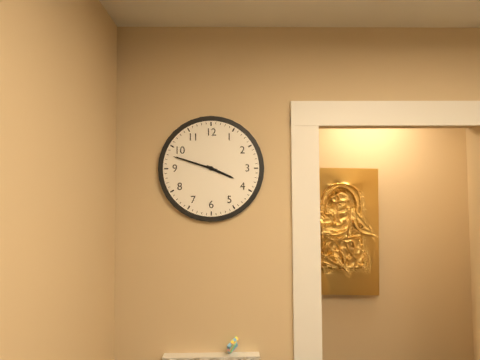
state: 3:48
